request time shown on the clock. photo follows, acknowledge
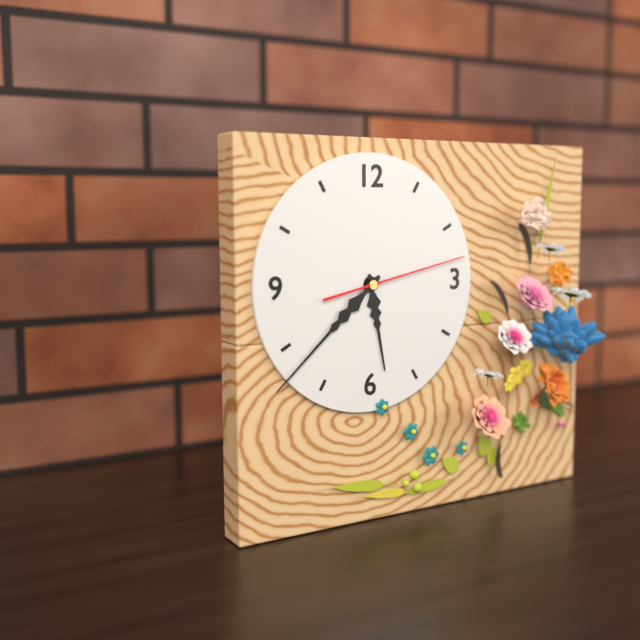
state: 5:38:13
